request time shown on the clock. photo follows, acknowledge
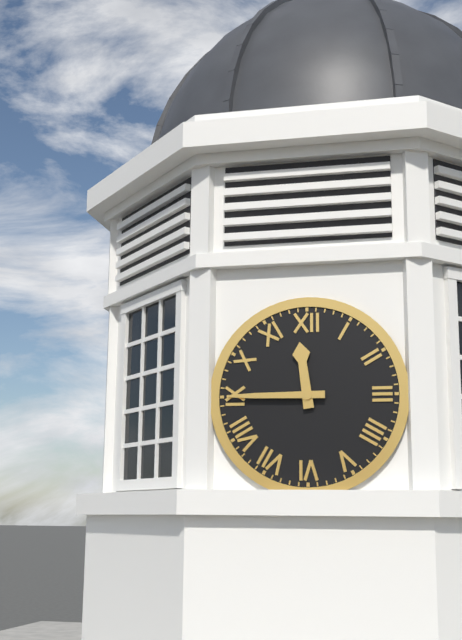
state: 11:45
